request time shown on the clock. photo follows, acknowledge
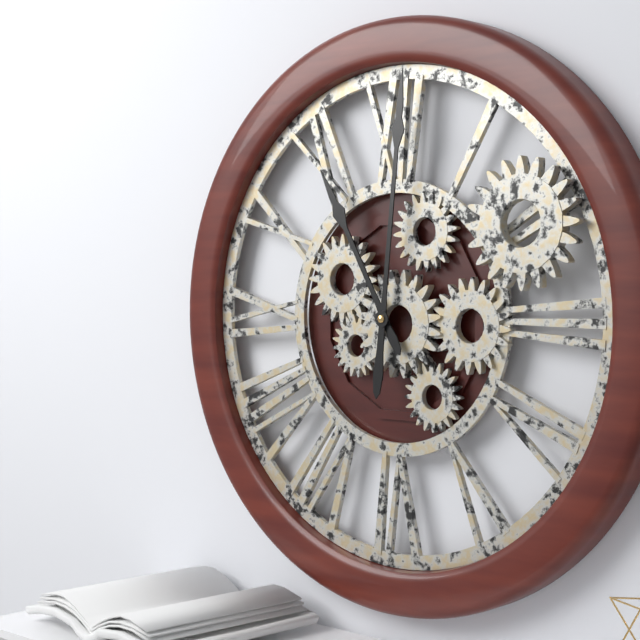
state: 11:01
